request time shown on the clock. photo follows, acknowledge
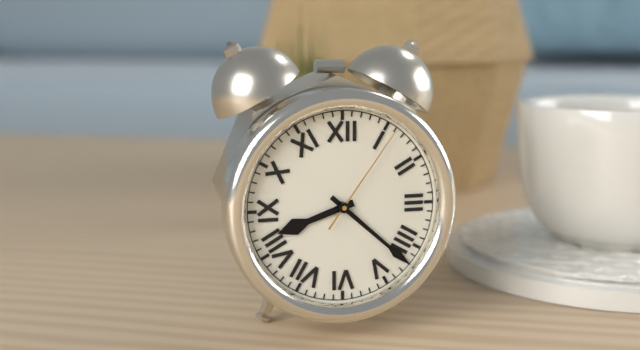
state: 8:22:06
